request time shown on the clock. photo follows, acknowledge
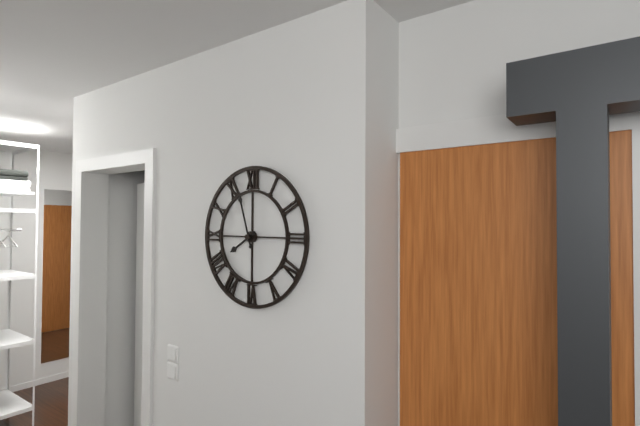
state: 7:57
